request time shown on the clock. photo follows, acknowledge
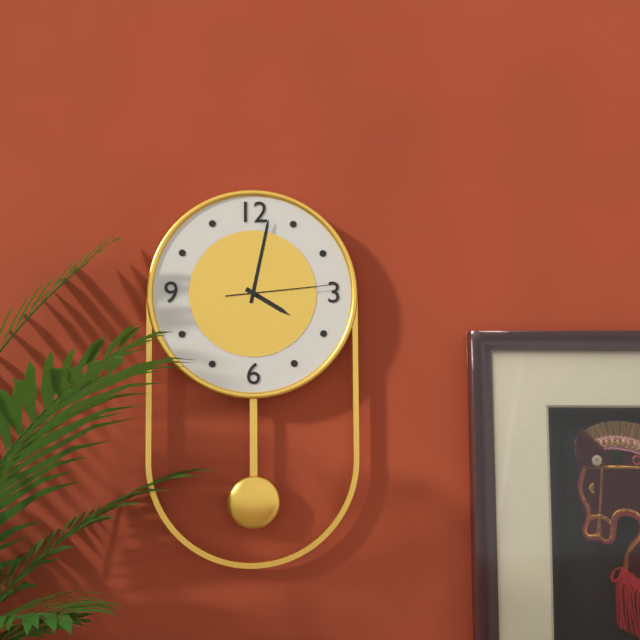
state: 4:02:14
